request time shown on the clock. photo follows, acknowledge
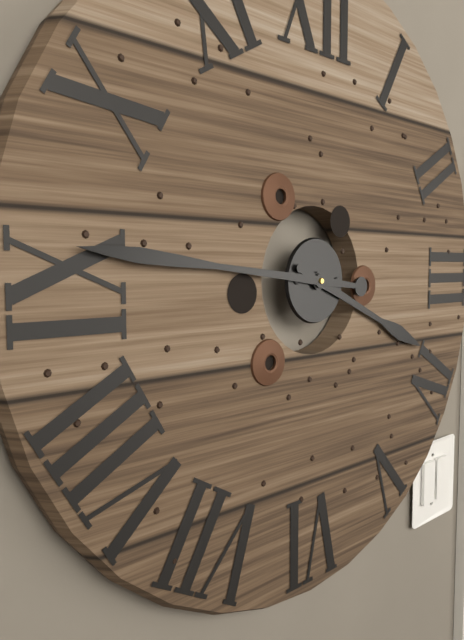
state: 3:46
